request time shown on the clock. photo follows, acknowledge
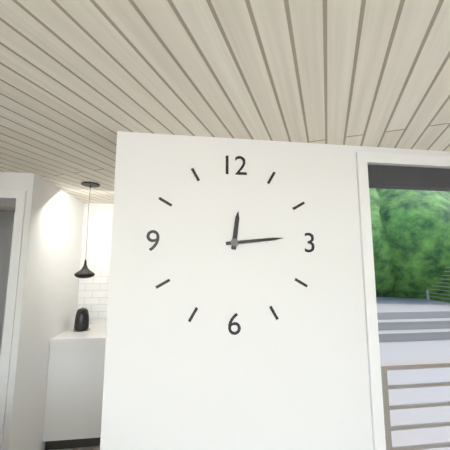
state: 12:14
